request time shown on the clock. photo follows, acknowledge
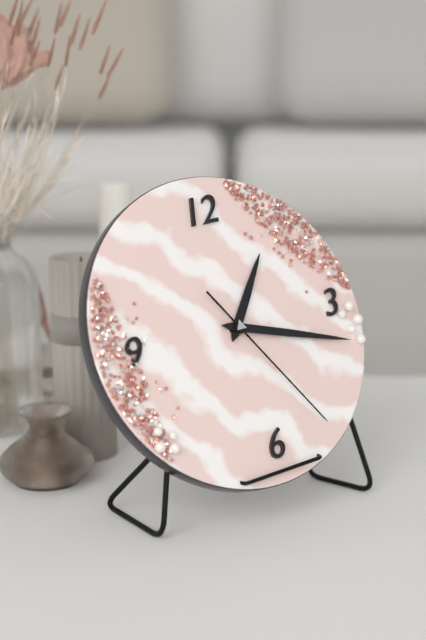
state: 1:18:25
